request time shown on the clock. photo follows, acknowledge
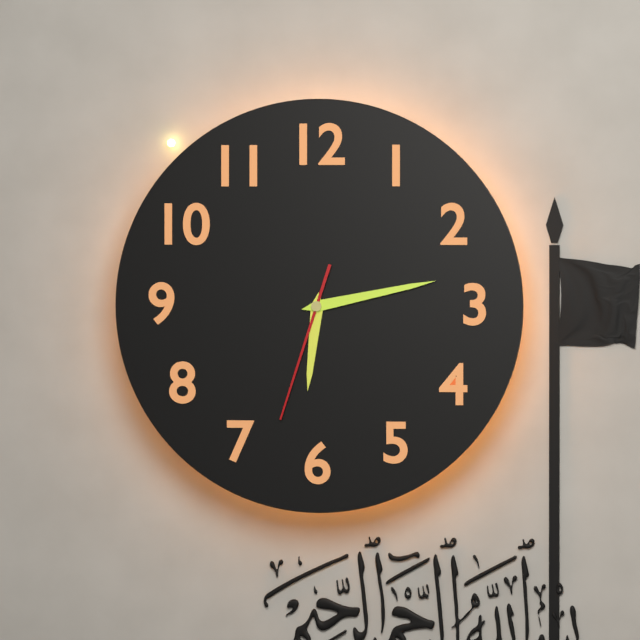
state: 6:13:33
